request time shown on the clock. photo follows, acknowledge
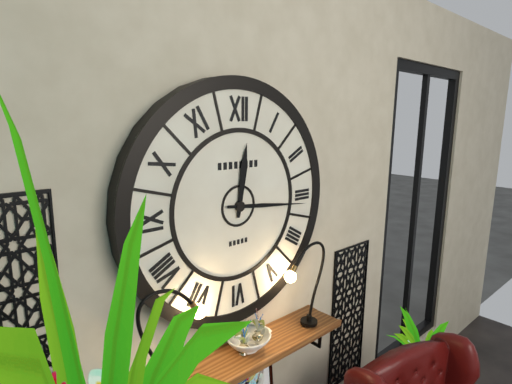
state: 12:16
